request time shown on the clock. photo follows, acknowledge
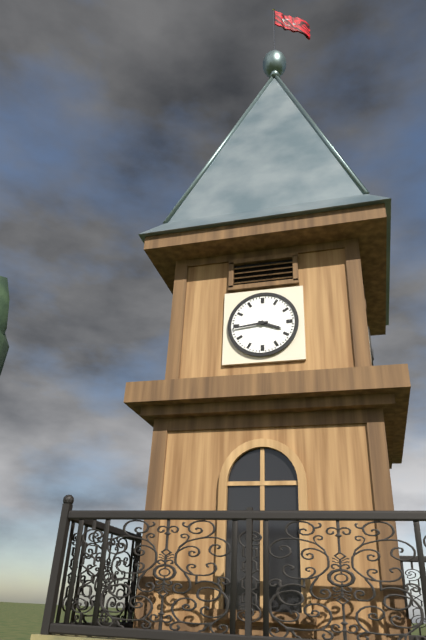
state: 3:44
